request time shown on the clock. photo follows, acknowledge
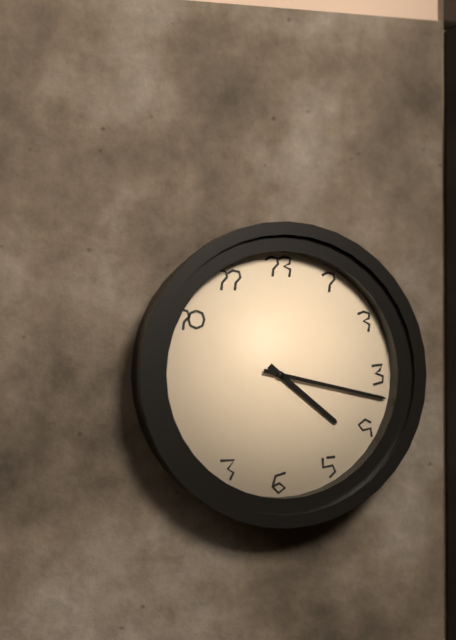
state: 4:17
